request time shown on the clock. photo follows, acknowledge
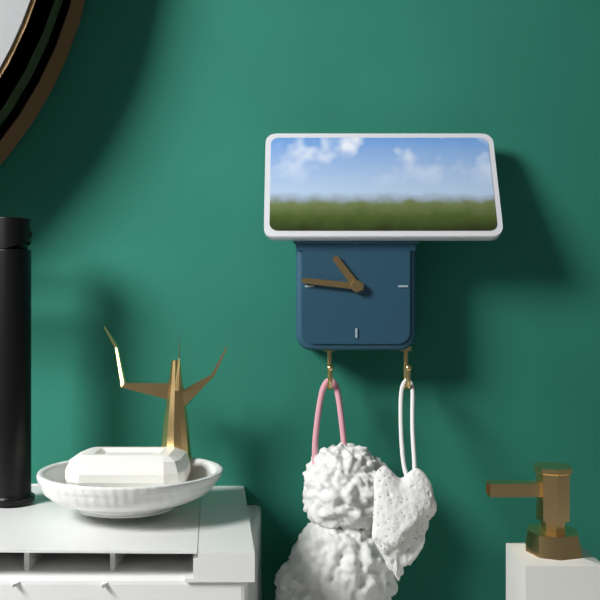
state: 10:46
